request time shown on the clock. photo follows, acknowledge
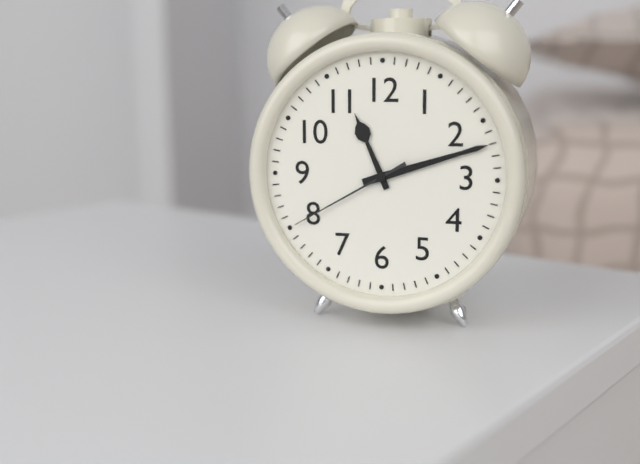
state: 11:12:40
